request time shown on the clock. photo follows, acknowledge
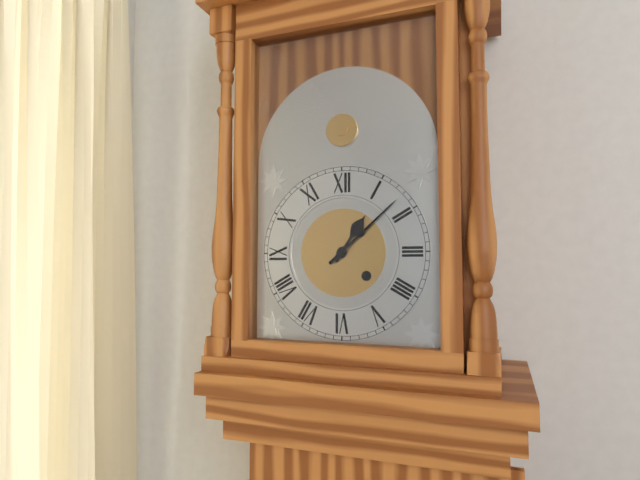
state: 1:08
